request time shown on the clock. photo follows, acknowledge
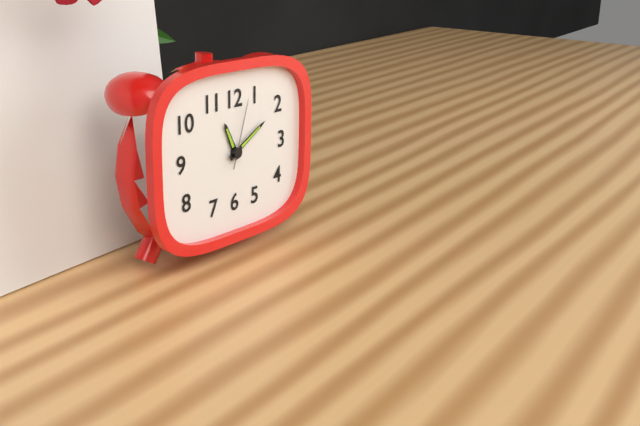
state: 11:10:03
